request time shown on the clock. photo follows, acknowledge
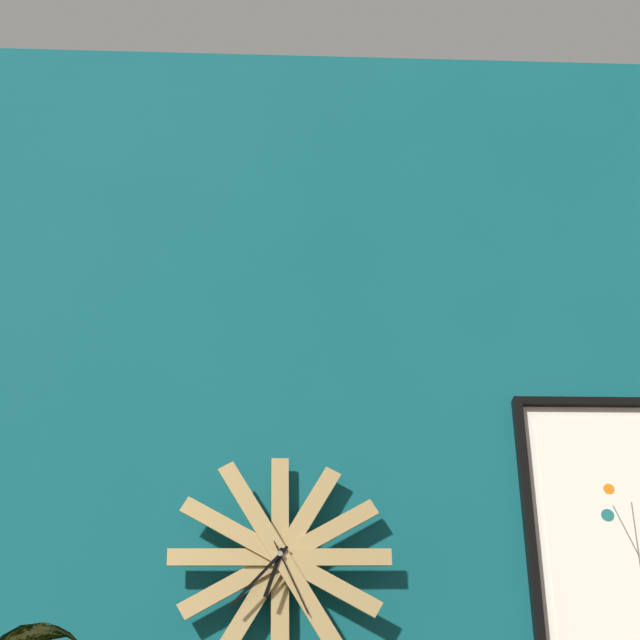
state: 6:37:26
